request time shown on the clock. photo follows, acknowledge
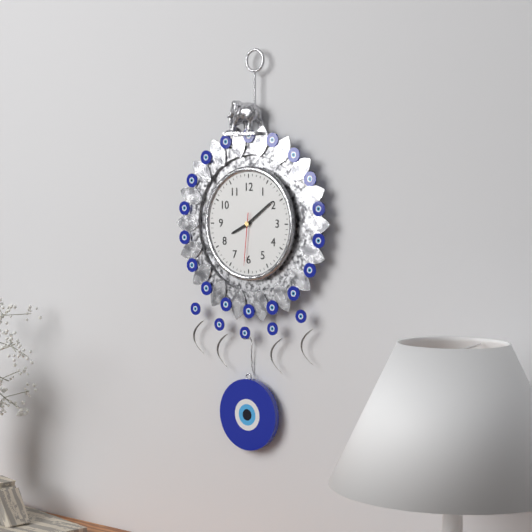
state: 8:09:31
